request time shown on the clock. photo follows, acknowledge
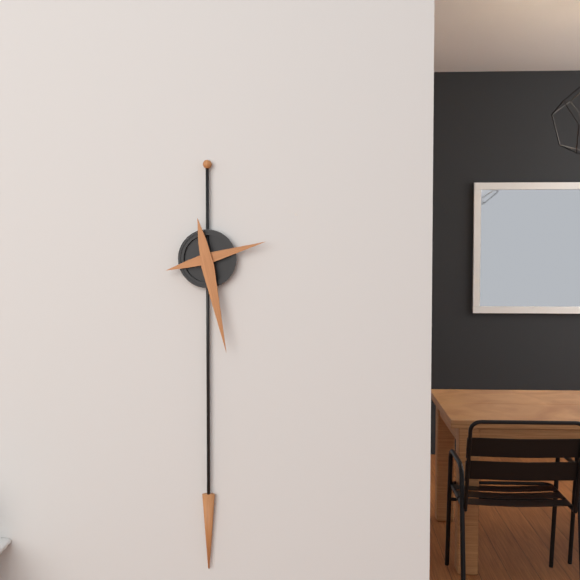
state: 2:28
